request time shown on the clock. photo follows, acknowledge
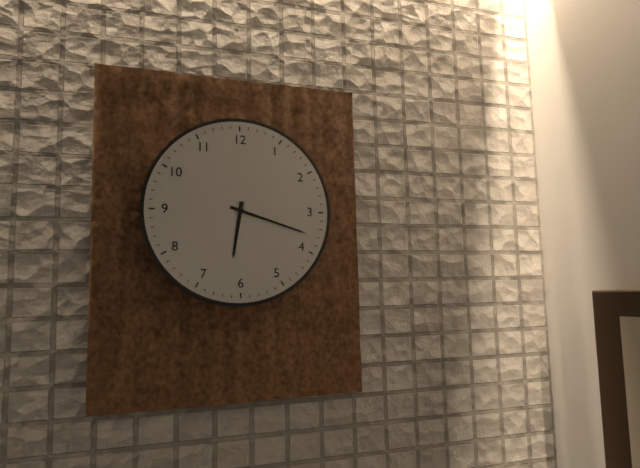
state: 6:18
